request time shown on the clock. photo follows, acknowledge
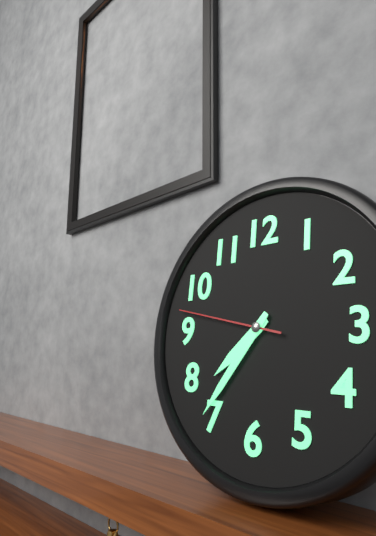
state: 7:36:47
